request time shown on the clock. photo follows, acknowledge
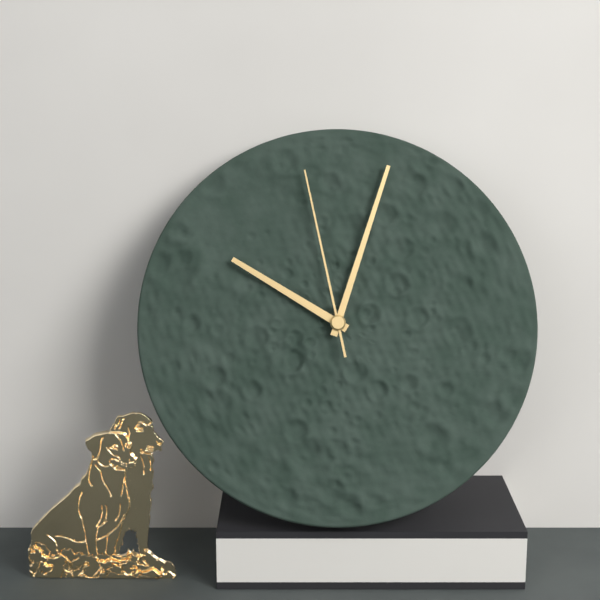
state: 10:03:58
